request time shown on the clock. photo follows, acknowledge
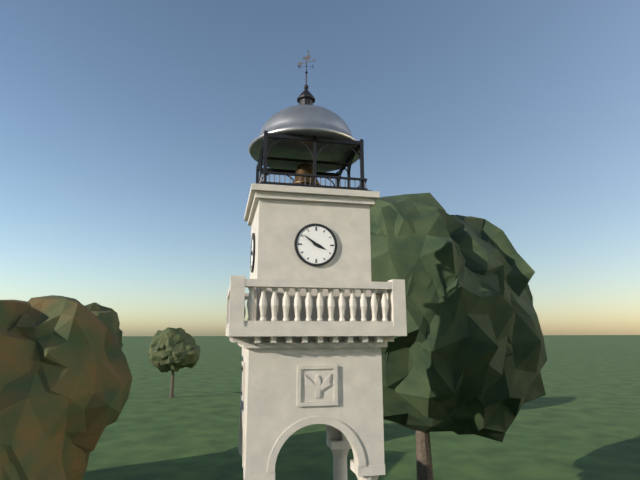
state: 3:51
